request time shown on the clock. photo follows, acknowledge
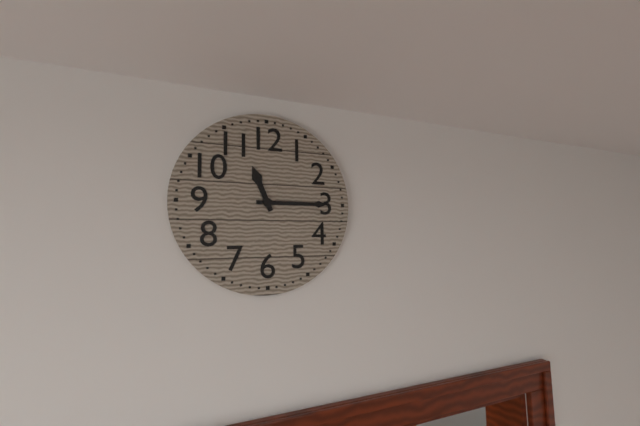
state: 11:15
